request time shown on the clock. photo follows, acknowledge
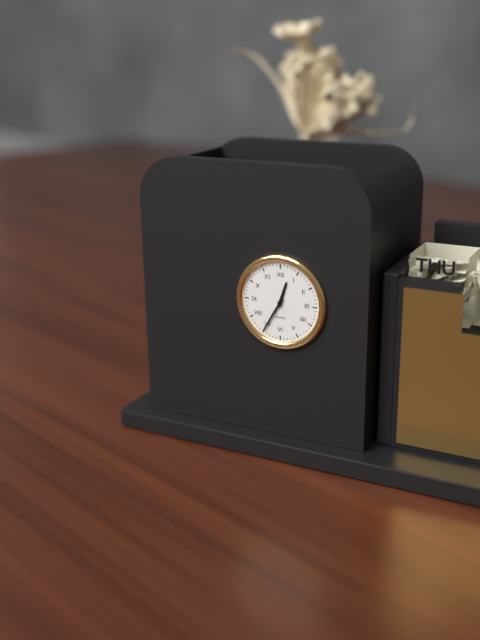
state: 12:35
